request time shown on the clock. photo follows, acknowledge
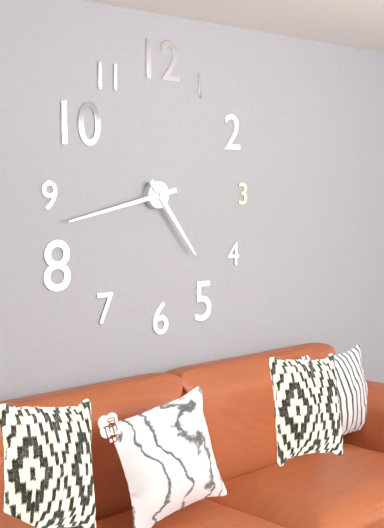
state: 4:43
